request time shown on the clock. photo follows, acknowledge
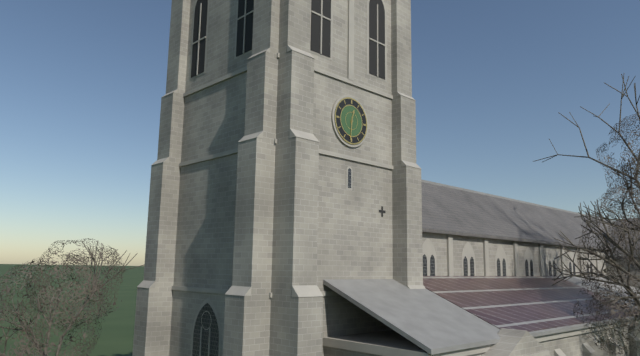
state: 12:31
